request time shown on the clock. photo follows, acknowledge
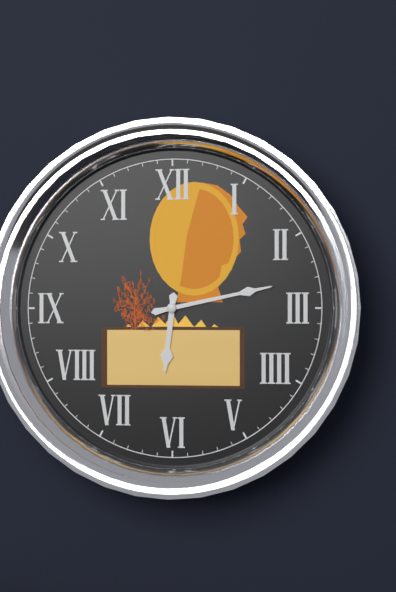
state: 6:13
